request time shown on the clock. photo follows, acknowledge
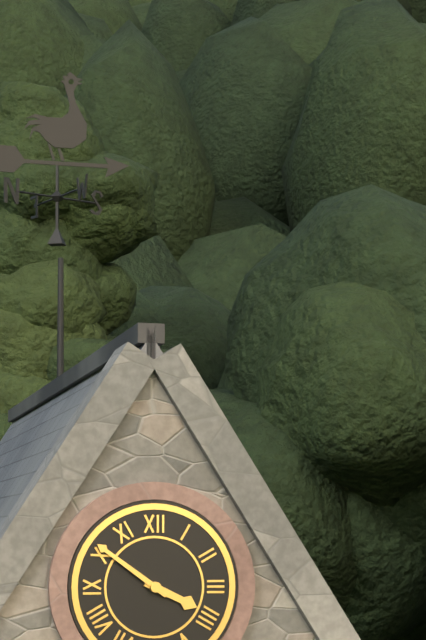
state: 3:51
